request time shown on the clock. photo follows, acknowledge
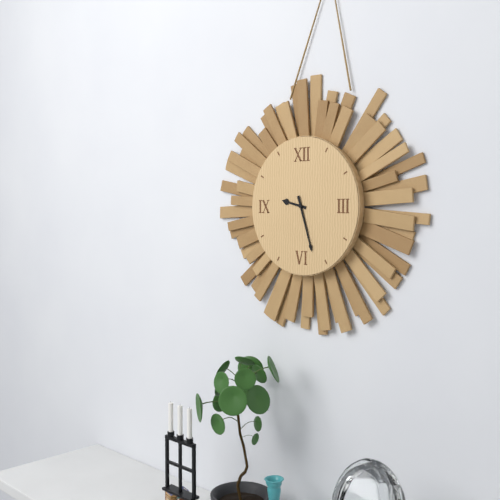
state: 9:27
